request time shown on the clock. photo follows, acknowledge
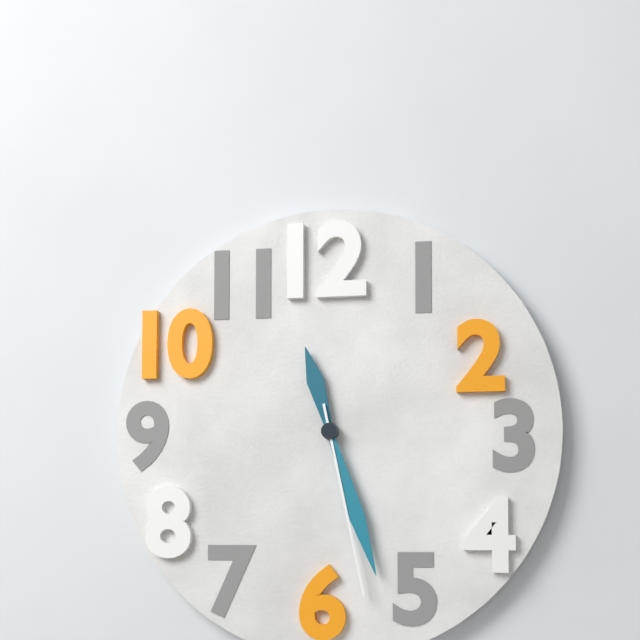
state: 11:27:28
